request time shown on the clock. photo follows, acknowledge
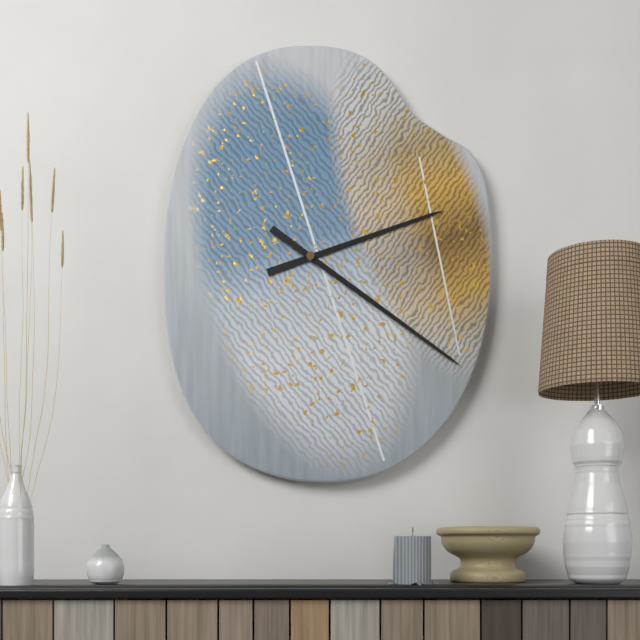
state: 2:21
